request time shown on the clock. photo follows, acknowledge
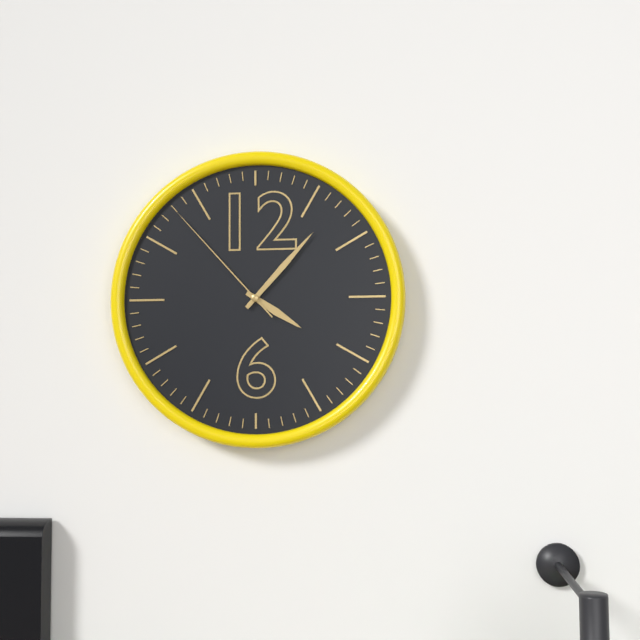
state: 4:07:53
